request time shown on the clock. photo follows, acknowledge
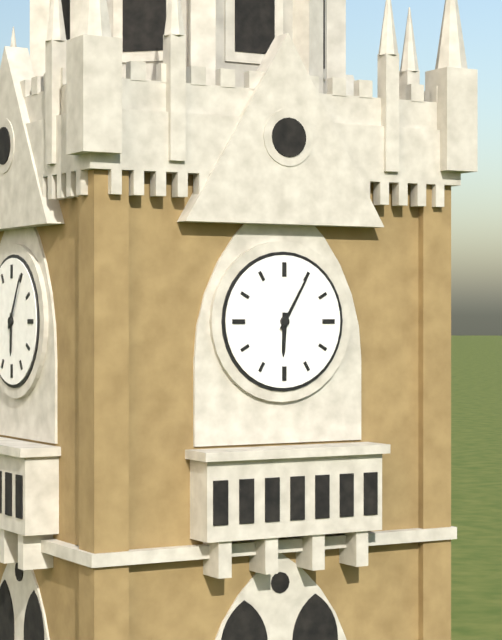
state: 6:05
